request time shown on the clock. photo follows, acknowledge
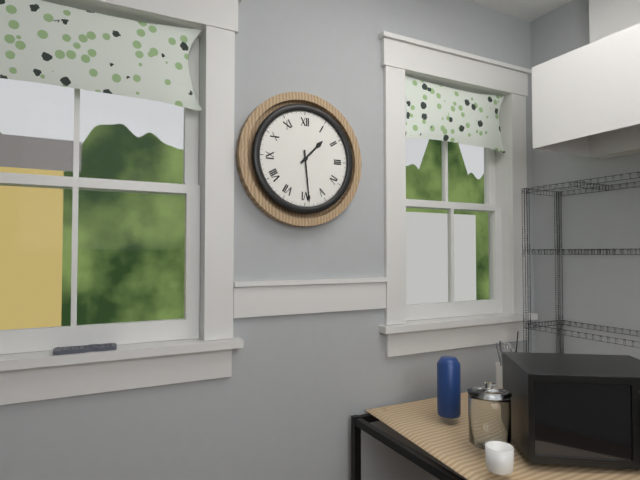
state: 1:29
